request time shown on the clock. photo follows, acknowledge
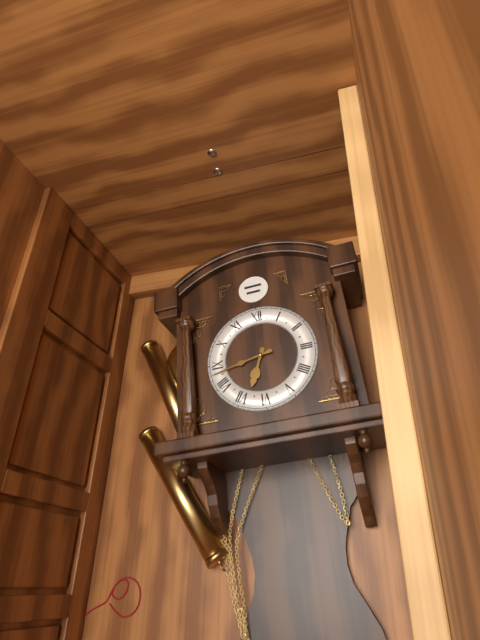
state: 6:43
